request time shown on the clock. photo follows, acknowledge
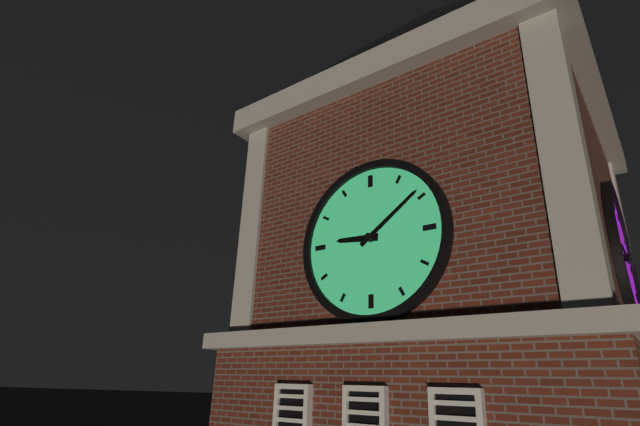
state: 9:09
